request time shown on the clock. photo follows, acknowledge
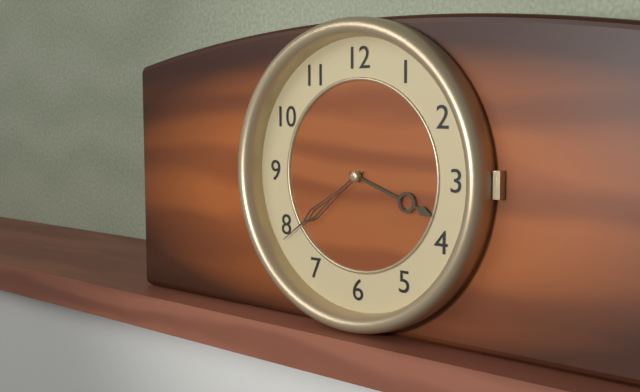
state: 3:39
